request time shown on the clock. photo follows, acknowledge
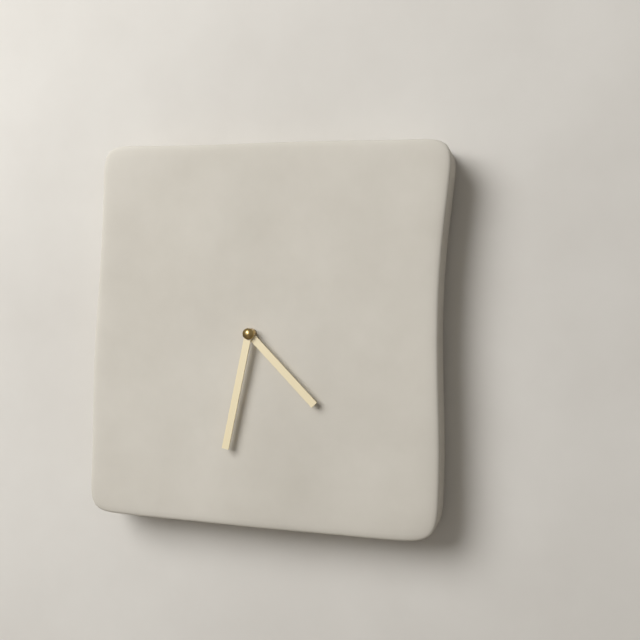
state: 4:32
